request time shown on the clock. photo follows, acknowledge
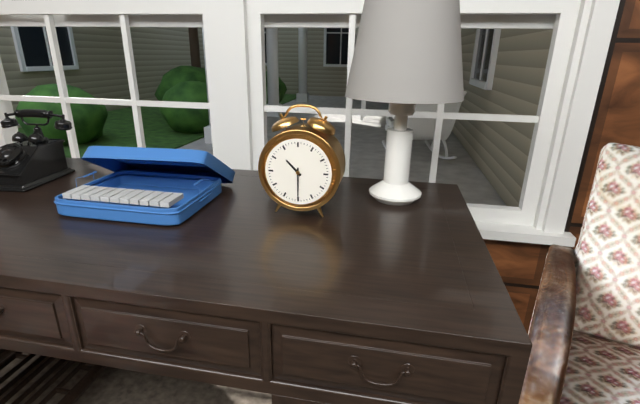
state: 10:30
